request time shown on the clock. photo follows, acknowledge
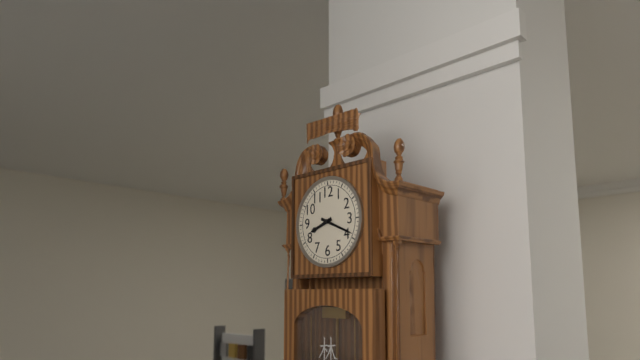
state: 8:19
